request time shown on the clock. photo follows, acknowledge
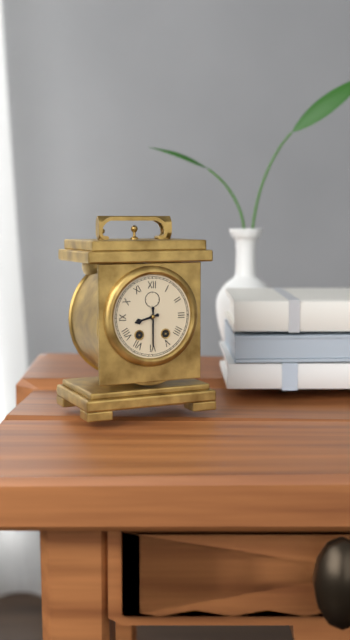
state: 8:30
